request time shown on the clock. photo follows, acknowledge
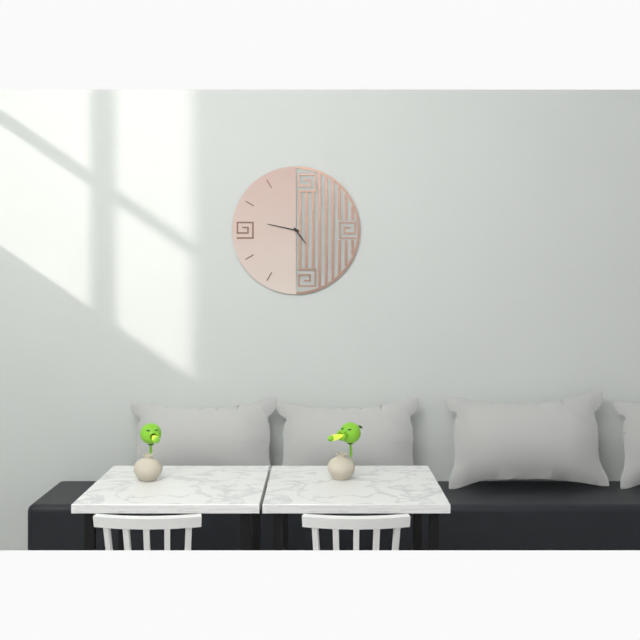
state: 4:47
